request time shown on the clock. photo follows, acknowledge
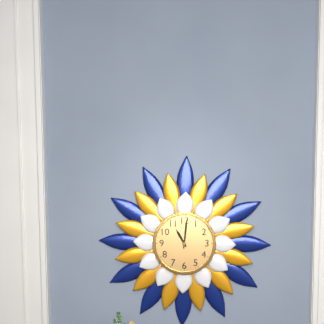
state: 11:01
